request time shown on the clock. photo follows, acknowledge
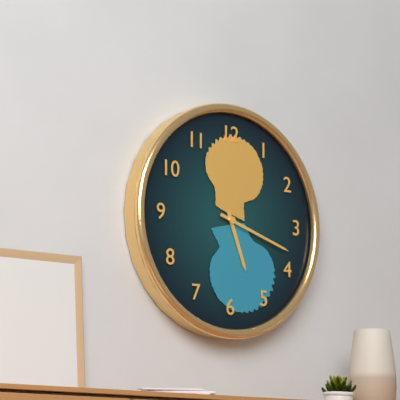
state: 5:18
